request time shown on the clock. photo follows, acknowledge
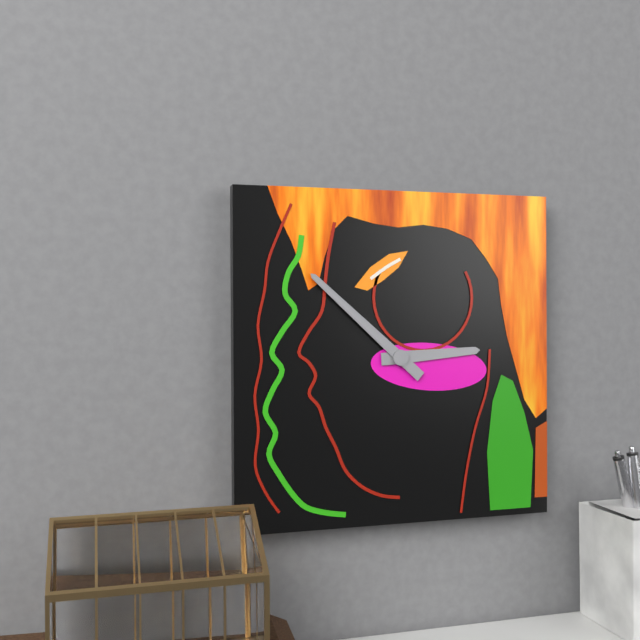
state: 2:52
